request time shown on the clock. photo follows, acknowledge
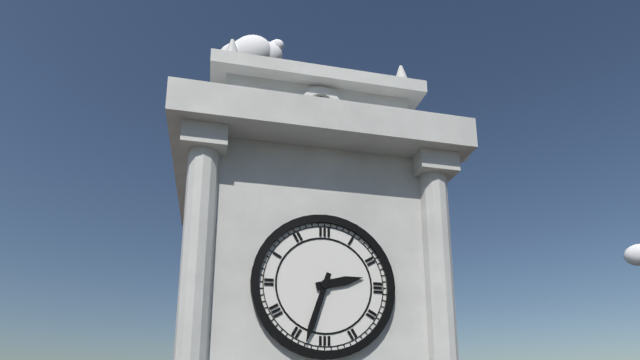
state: 2:33
